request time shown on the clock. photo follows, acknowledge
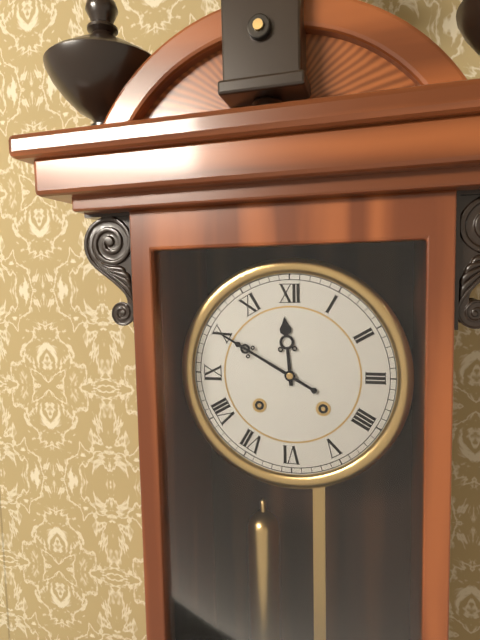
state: 11:50
